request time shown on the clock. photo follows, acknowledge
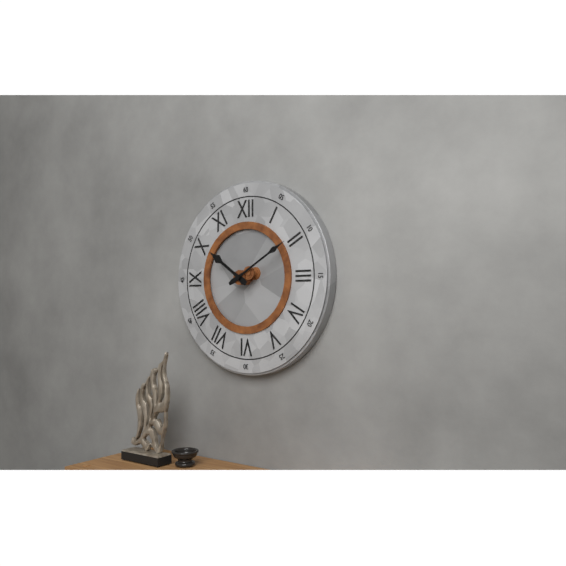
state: 10:10
